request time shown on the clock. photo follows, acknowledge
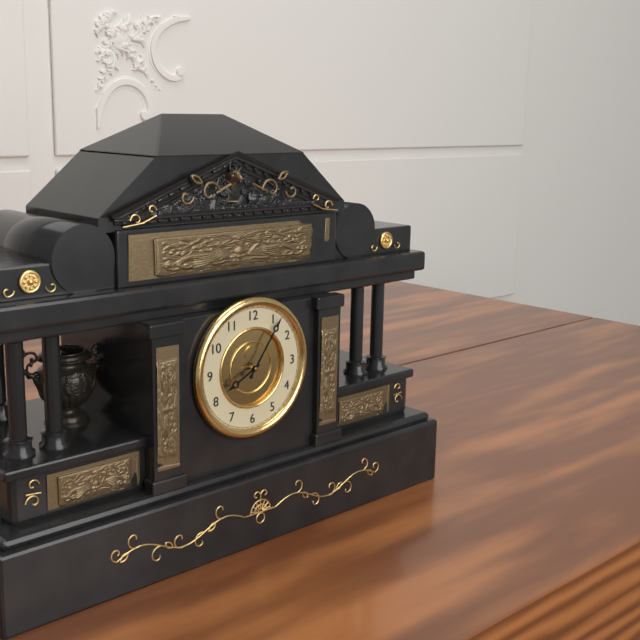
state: 8:06
